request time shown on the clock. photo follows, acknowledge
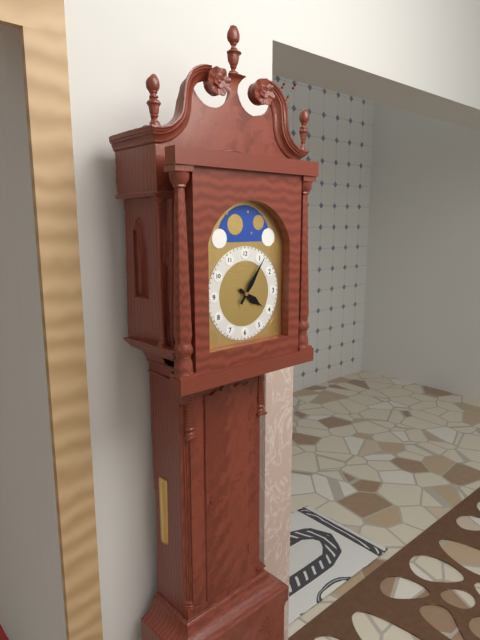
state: 4:06
